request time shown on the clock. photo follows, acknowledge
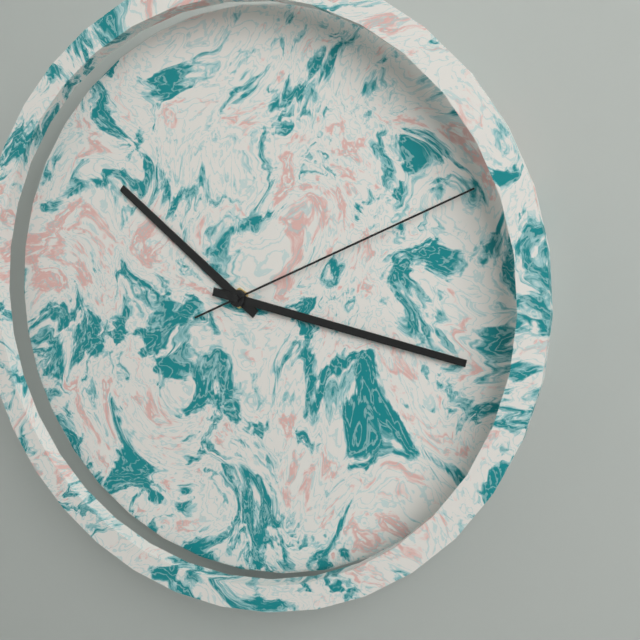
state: 10:17:11
